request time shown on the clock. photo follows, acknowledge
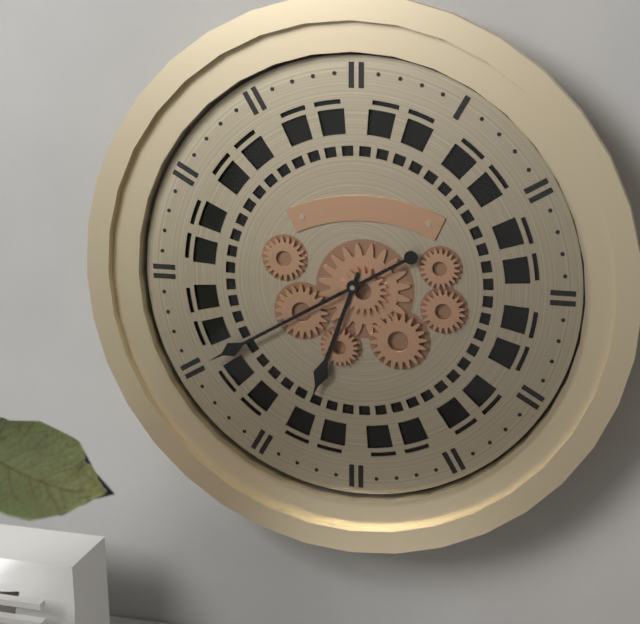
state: 6:40
